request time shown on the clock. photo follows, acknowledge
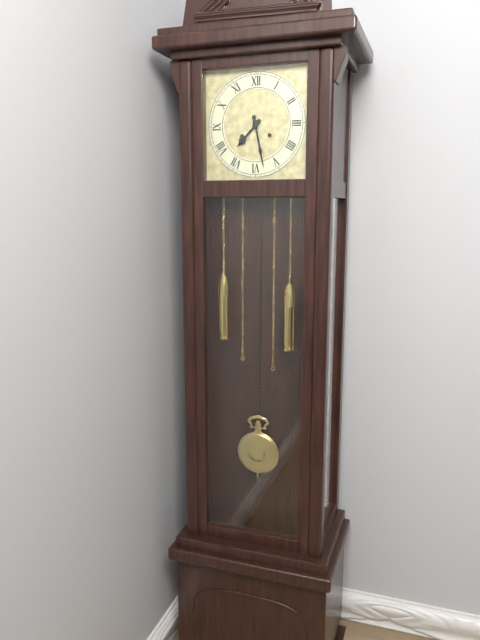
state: 7:28
